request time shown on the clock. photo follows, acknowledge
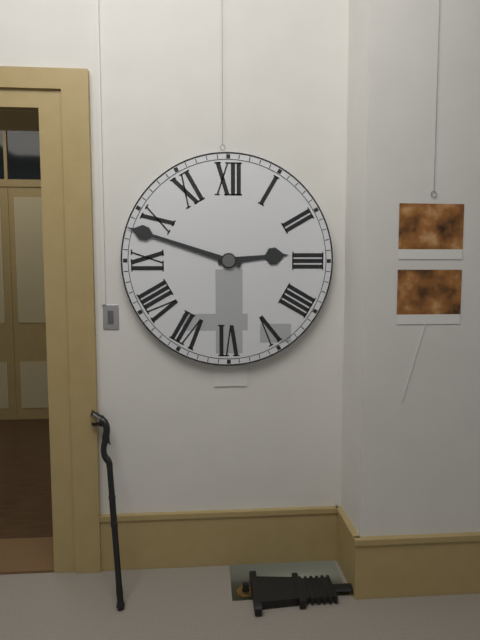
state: 2:48
